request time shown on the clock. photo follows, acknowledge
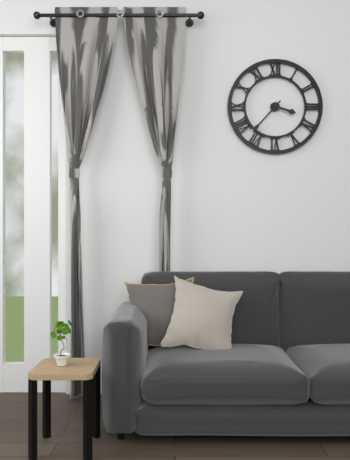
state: 3:37
